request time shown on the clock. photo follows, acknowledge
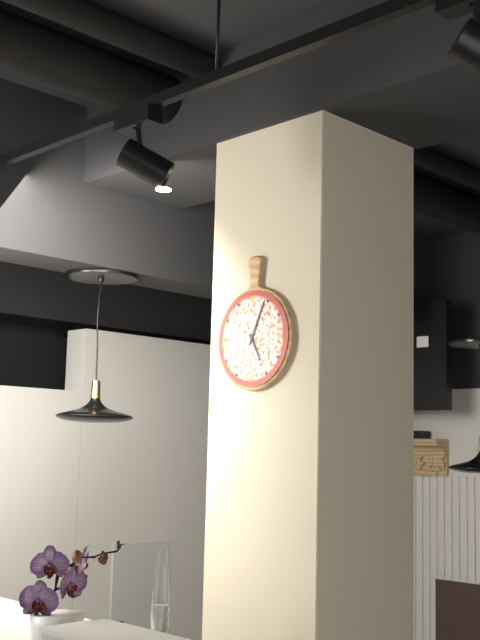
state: 5:04
